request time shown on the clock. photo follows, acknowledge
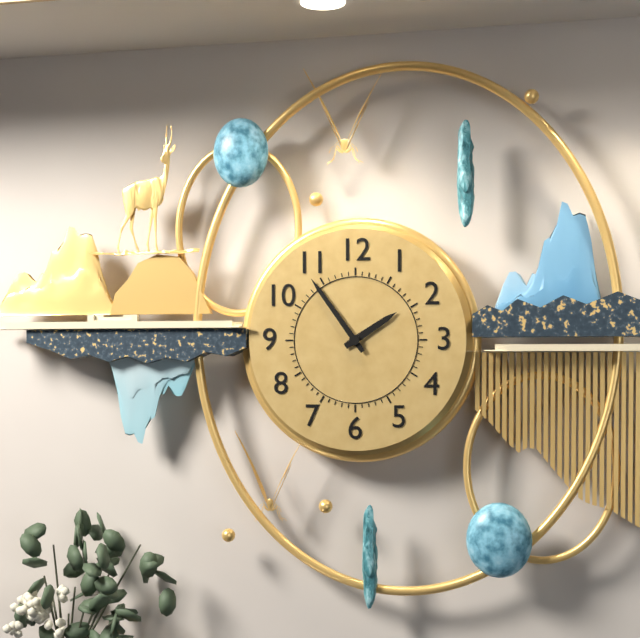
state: 1:54
